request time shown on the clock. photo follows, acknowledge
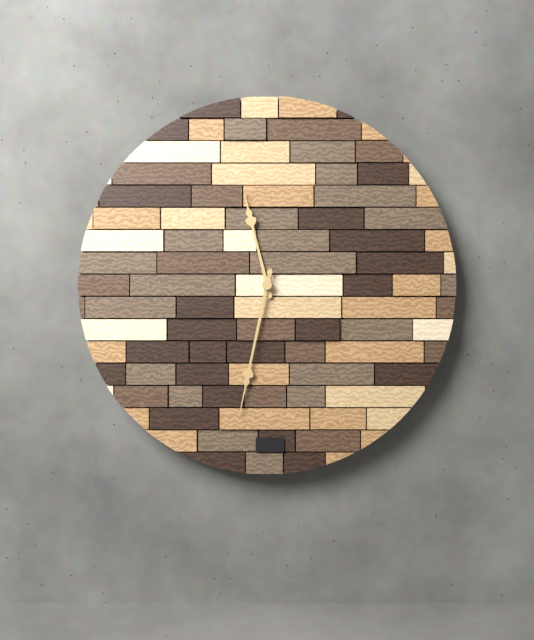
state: 11:32
